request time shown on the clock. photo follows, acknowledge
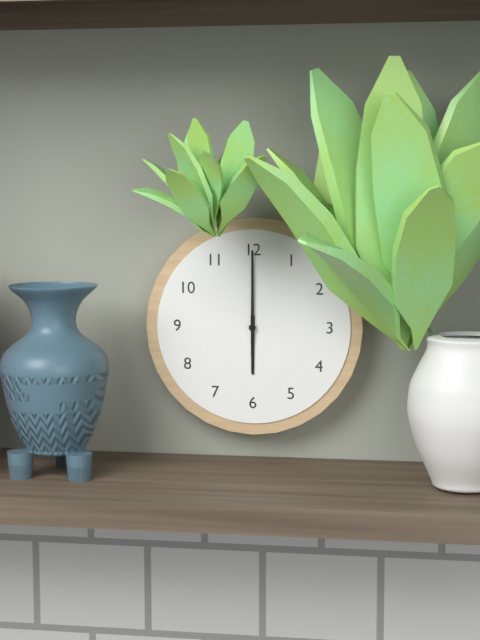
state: 6:00
